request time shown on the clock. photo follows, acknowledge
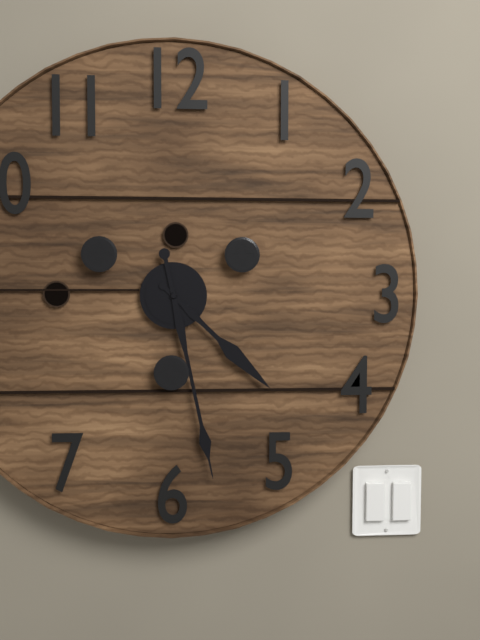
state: 4:28
